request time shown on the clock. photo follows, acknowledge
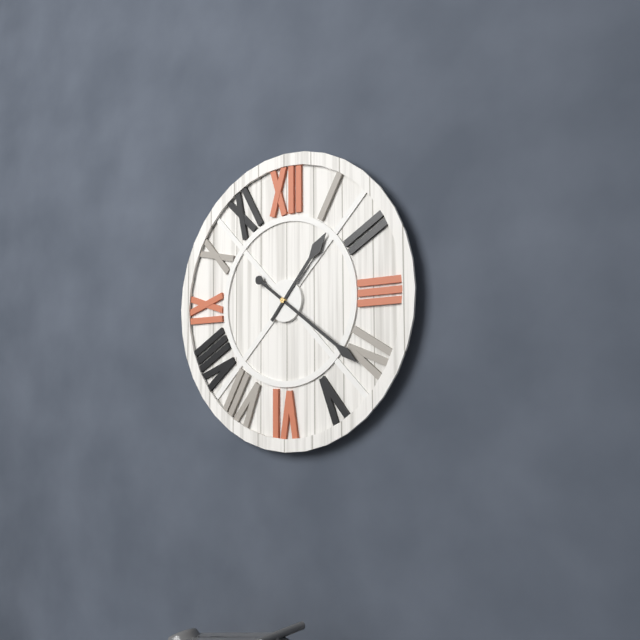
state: 1:21
